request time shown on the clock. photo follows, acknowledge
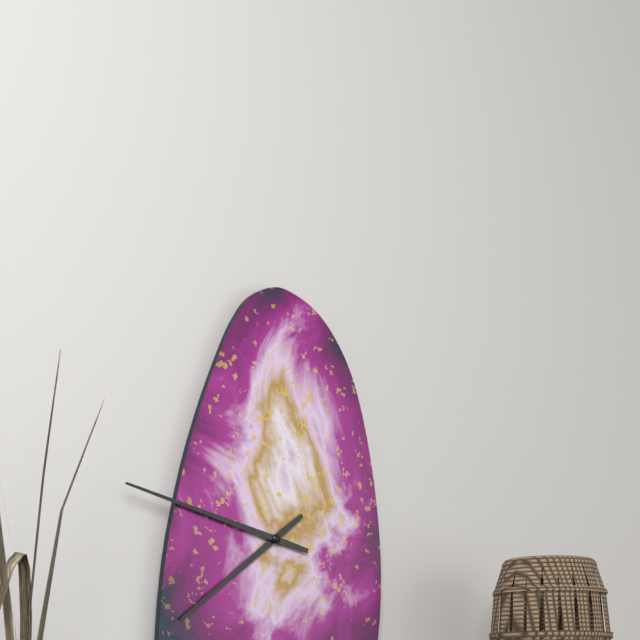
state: 7:47
